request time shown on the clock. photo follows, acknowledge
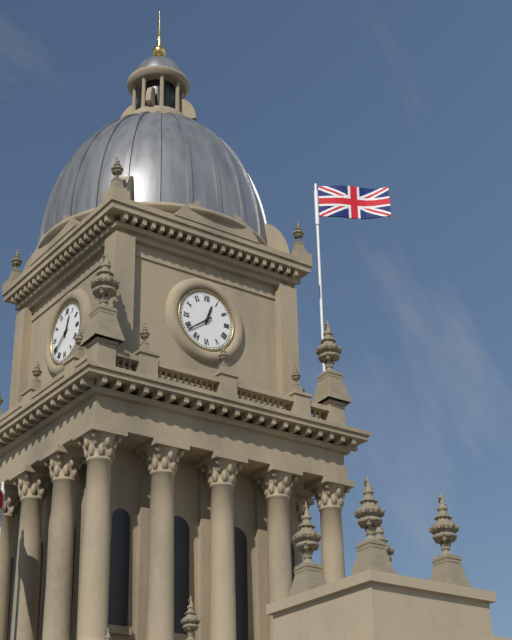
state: 12:39
